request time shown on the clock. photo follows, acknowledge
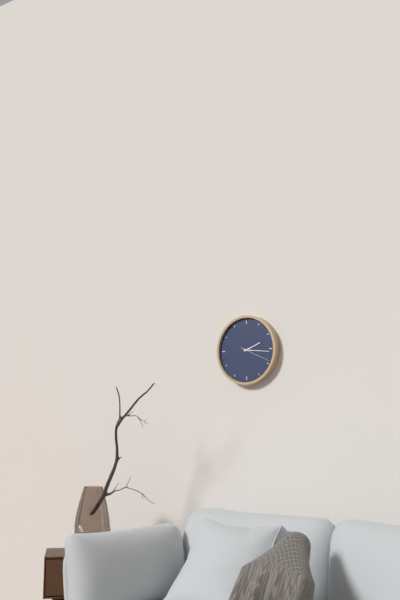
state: 2:16
